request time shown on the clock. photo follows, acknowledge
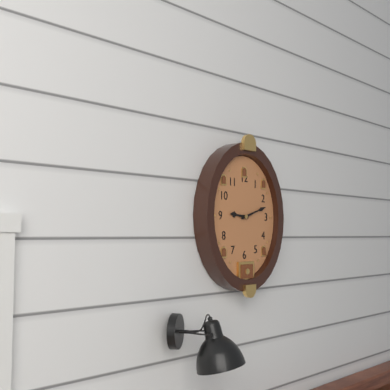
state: 9:12
